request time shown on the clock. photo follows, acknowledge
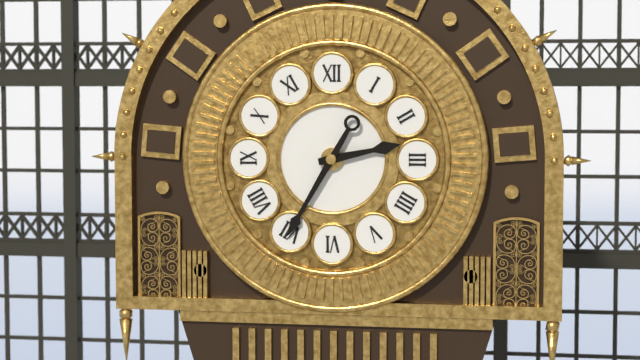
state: 2:35
